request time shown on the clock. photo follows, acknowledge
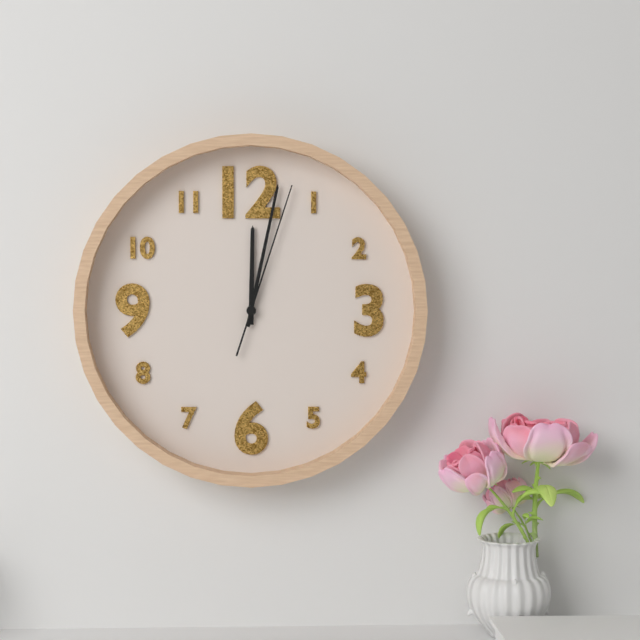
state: 12:02:03
